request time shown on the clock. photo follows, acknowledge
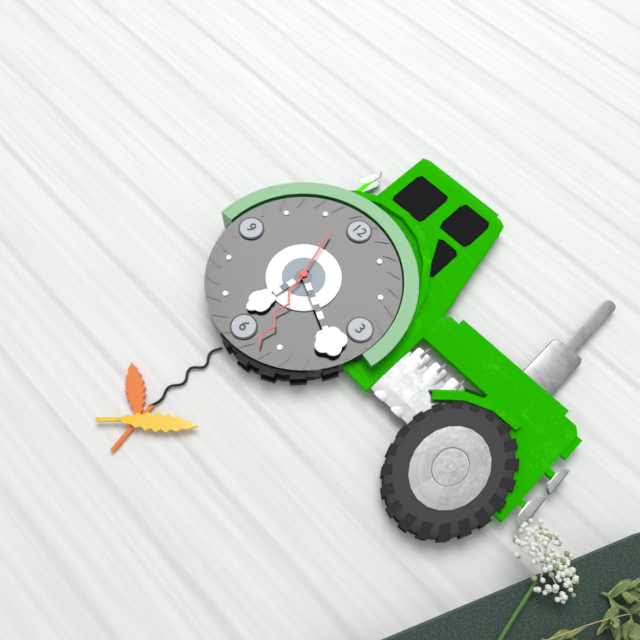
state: 6:19:27
